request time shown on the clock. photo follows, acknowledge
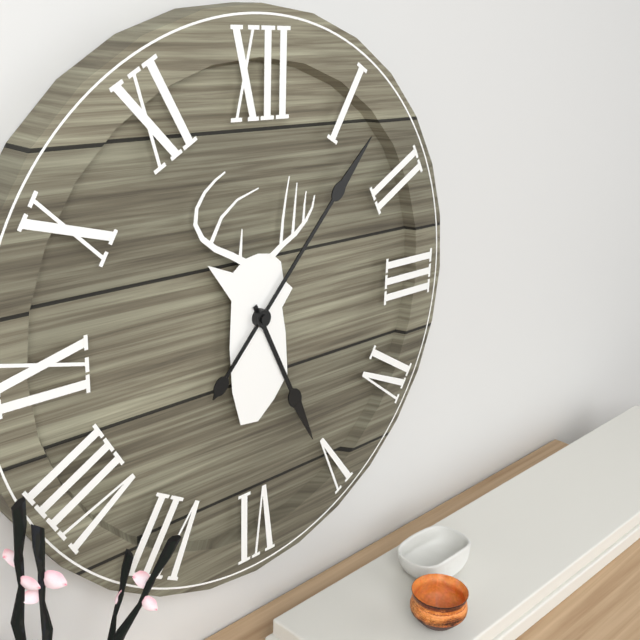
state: 5:07
